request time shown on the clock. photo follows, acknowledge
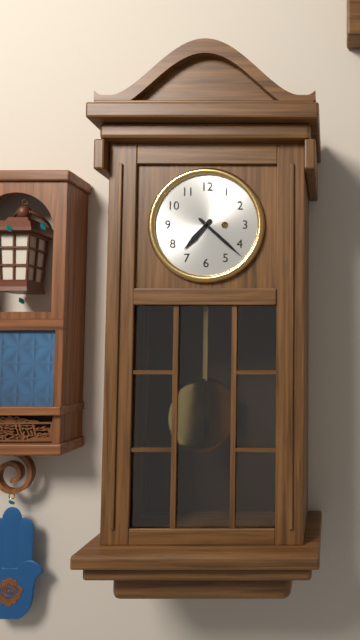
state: 7:22
